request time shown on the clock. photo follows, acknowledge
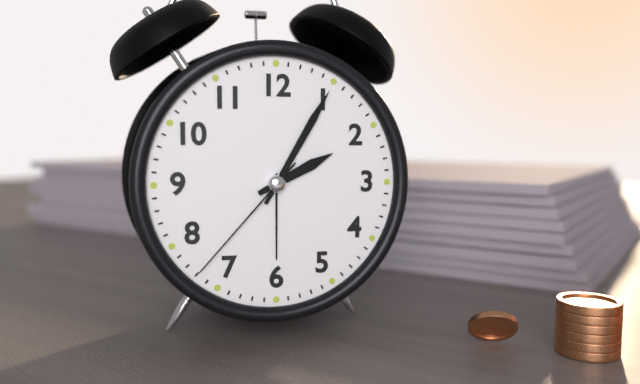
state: 2:05:37
